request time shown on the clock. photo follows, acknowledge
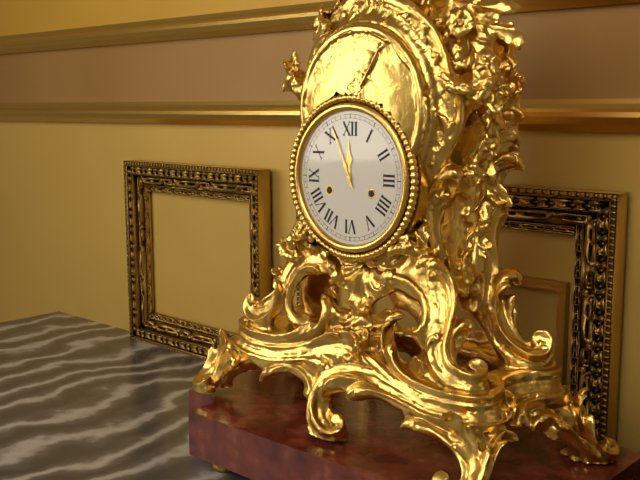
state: 11:56
